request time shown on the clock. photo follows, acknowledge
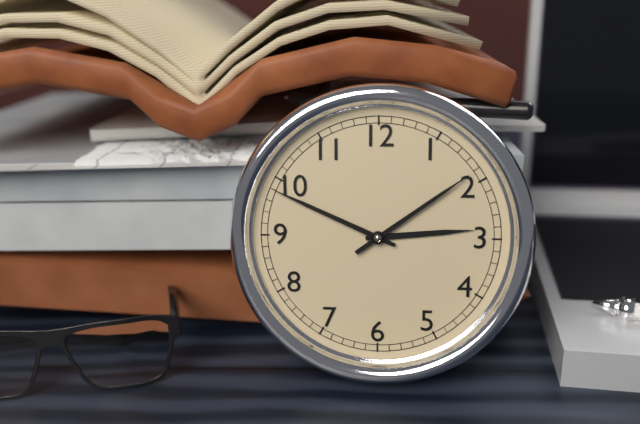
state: 2:49:09
